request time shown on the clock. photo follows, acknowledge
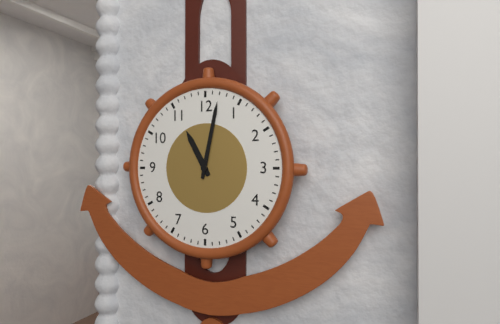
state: 11:02
